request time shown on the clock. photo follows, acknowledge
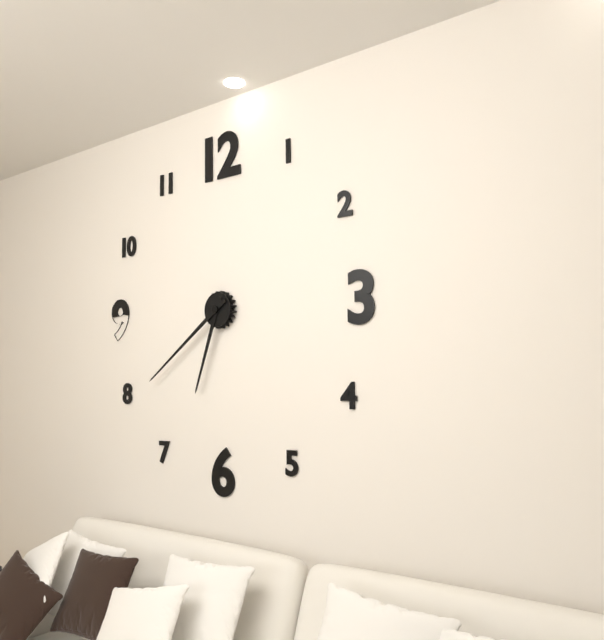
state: 6:39
